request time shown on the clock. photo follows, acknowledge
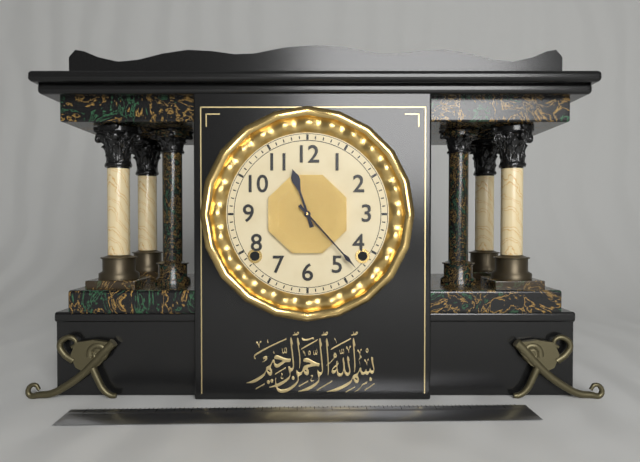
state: 11:23
